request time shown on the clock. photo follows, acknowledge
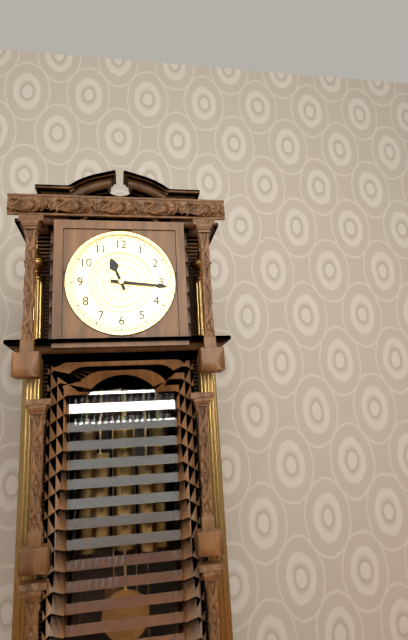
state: 11:16
